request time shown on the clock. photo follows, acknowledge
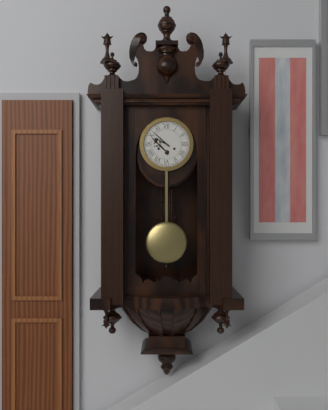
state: 9:52
